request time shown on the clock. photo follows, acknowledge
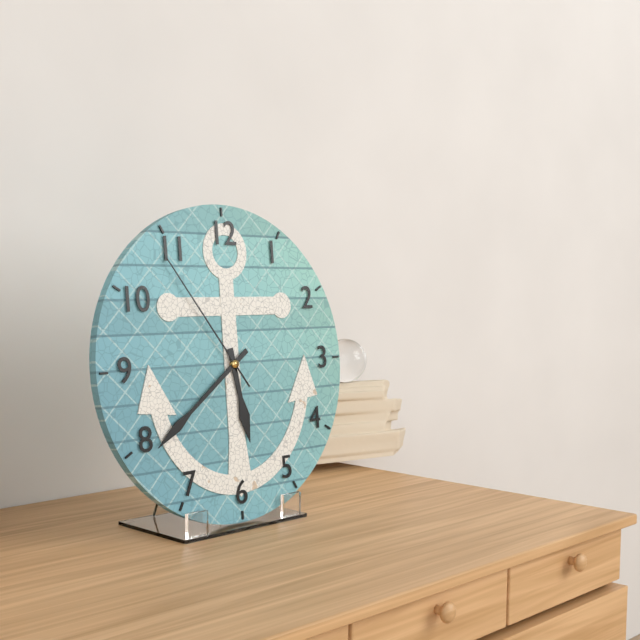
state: 5:39:54
